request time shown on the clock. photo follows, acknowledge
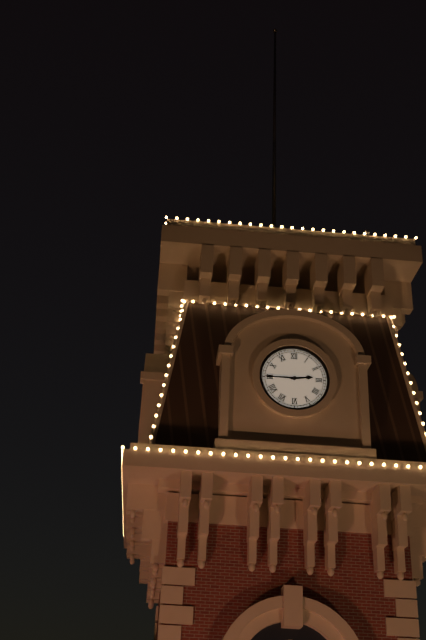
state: 2:45
